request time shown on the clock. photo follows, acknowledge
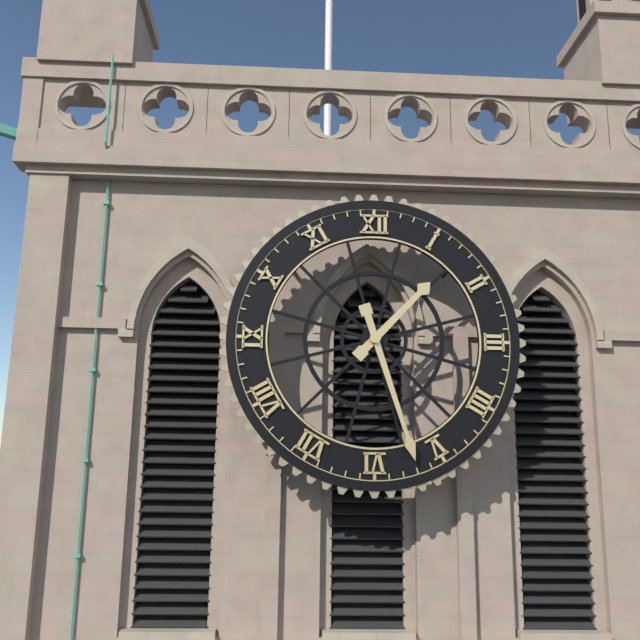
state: 1:27
